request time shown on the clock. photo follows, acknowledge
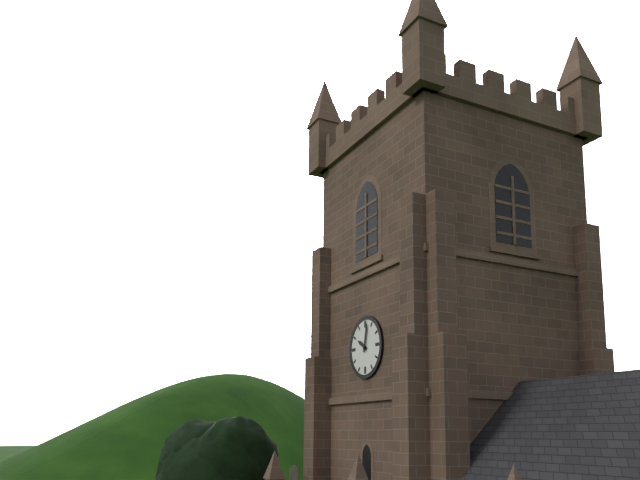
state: 10:02
